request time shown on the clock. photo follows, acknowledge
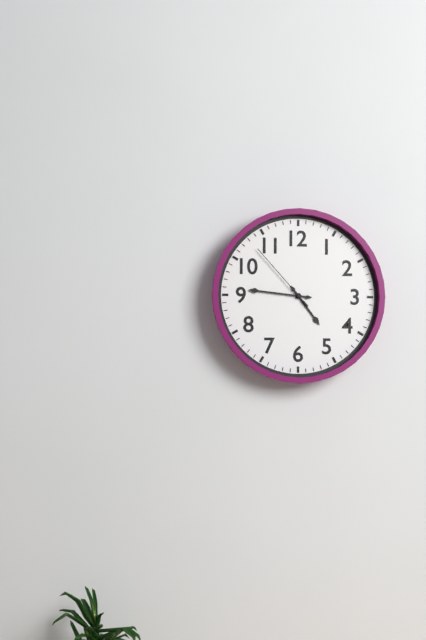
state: 4:46:53
